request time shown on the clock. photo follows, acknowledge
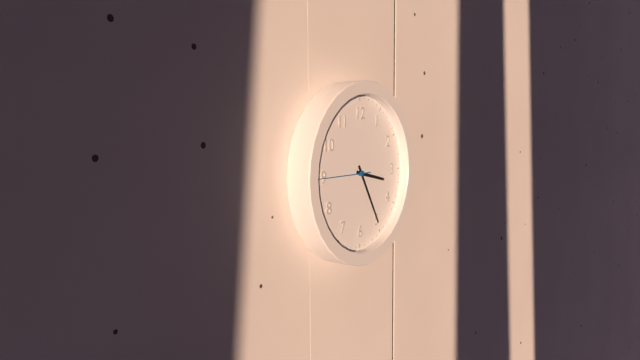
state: 3:25:45
